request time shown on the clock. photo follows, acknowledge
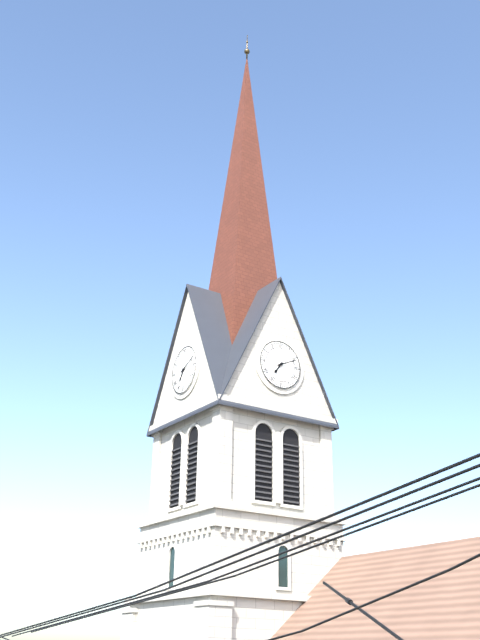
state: 7:11
